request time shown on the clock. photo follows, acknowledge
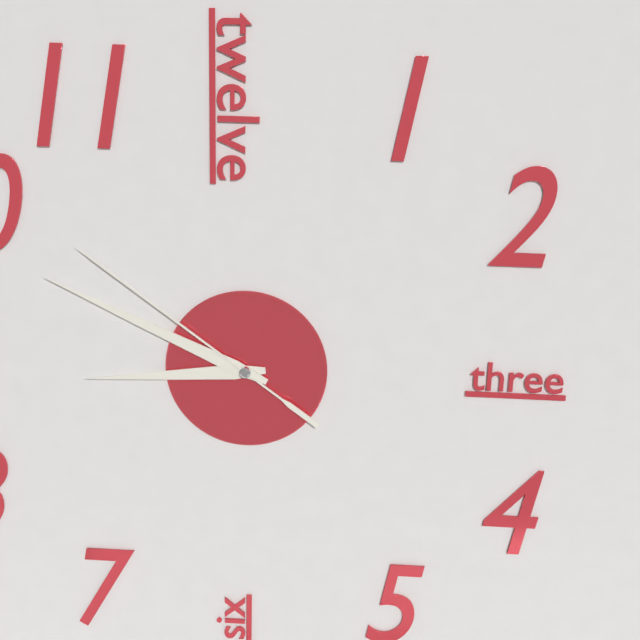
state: 8:49:51
